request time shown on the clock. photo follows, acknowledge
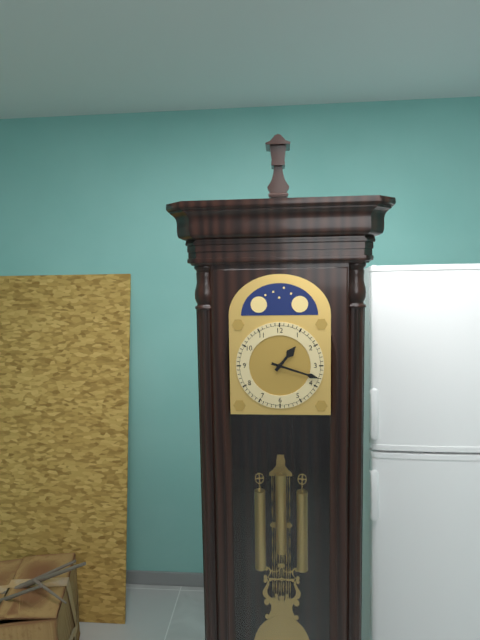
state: 1:18
